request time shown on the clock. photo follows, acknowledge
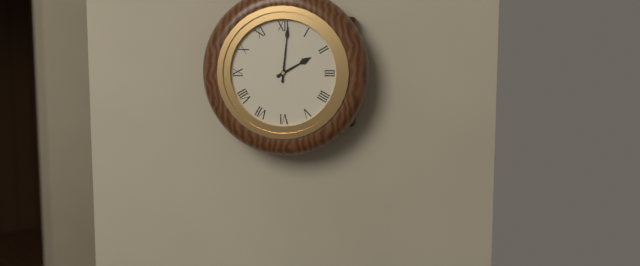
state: 2:01
